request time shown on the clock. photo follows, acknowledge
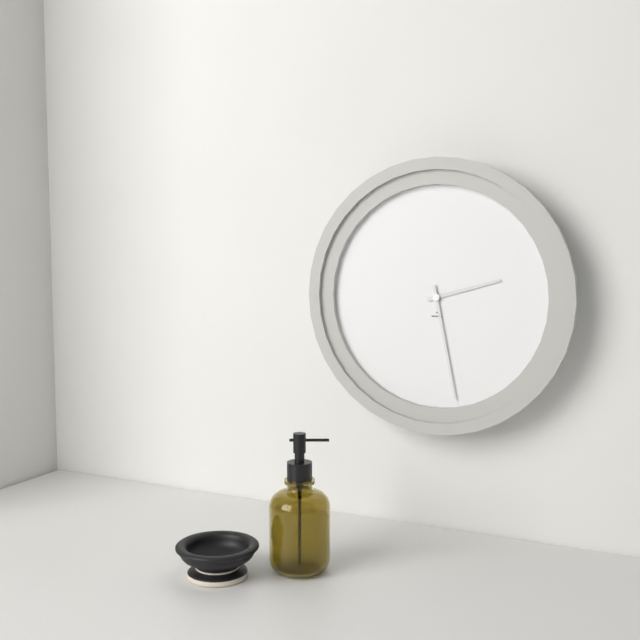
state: 2:28
